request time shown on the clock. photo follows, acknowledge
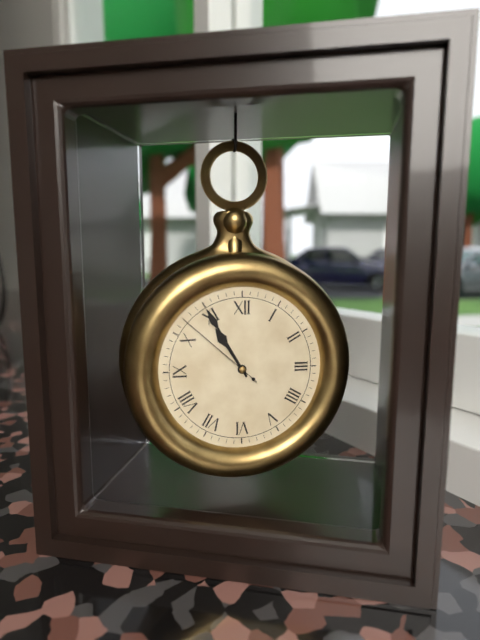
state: 10:55:52
